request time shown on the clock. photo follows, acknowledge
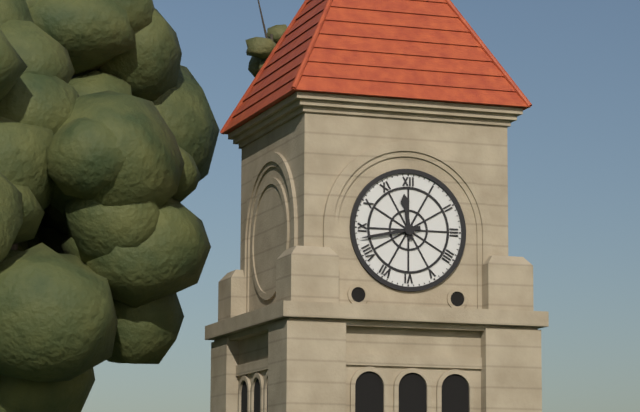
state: 11:43
